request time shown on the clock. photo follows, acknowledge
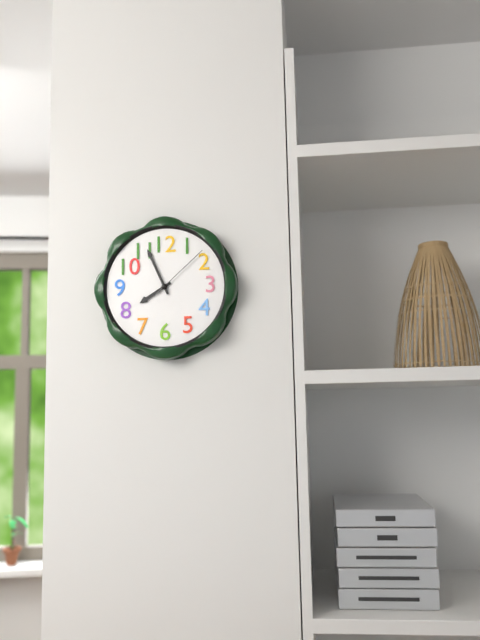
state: 7:56:08
